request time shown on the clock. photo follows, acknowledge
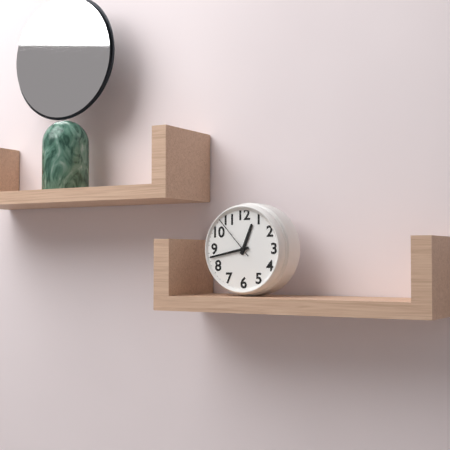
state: 12:43
